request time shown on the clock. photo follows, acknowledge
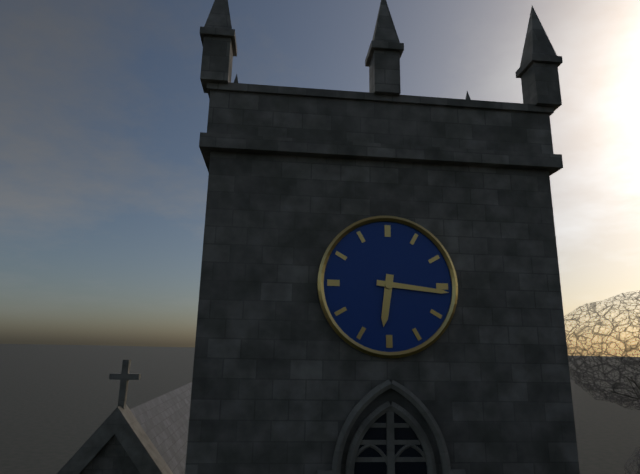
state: 6:16
